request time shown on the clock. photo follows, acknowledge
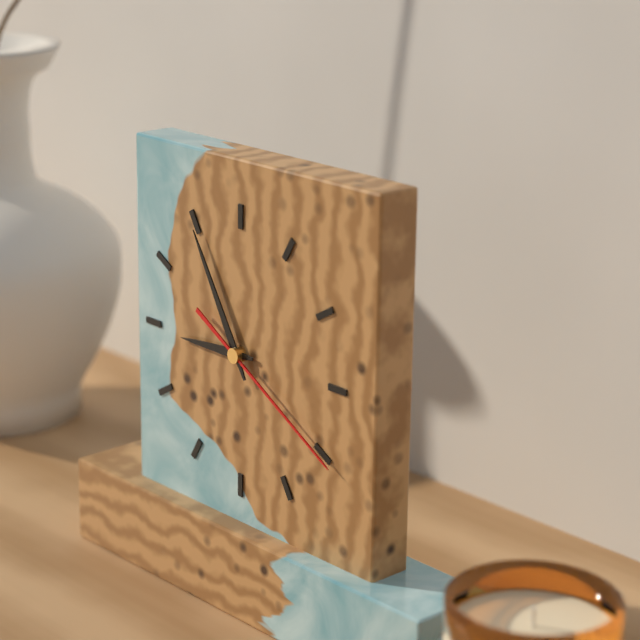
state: 8:55:20
